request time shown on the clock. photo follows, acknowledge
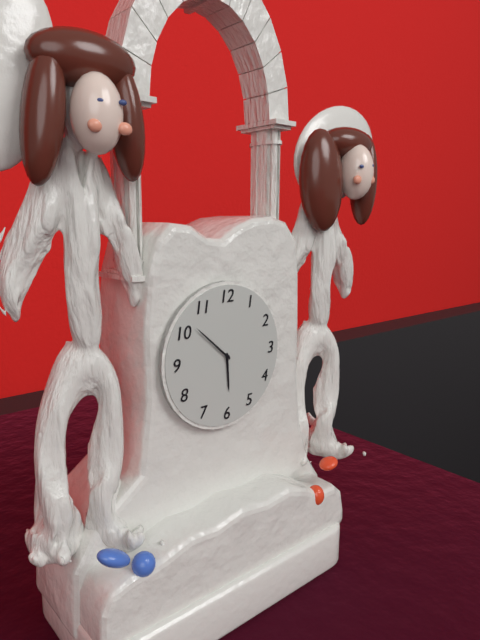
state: 5:52
